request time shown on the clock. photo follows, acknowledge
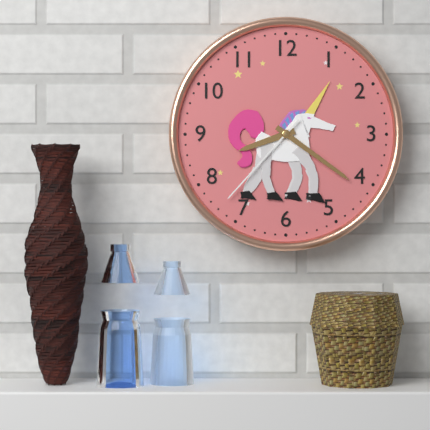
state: 8:21:37
